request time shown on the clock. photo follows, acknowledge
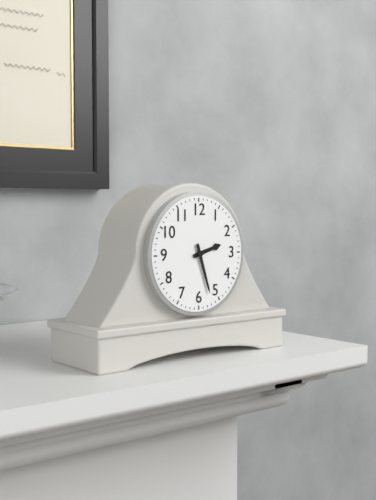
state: 2:27
